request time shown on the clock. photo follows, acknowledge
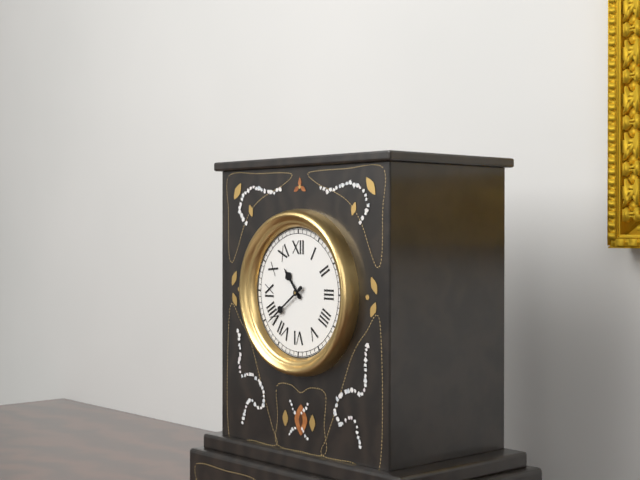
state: 10:39
